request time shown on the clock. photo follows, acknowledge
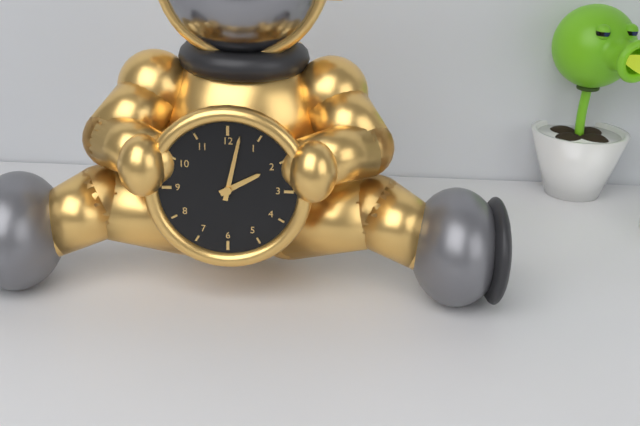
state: 2:02
